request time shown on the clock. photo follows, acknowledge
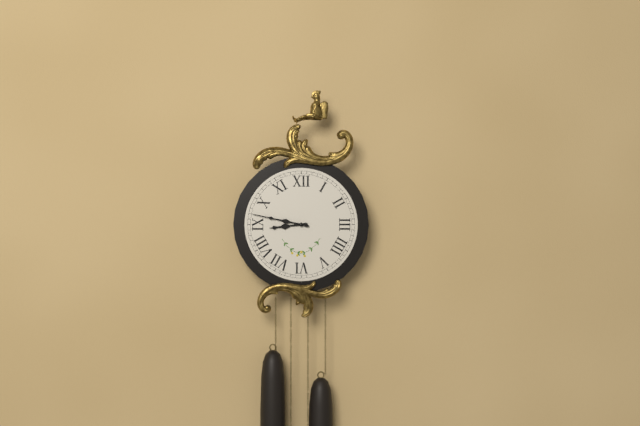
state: 8:47
